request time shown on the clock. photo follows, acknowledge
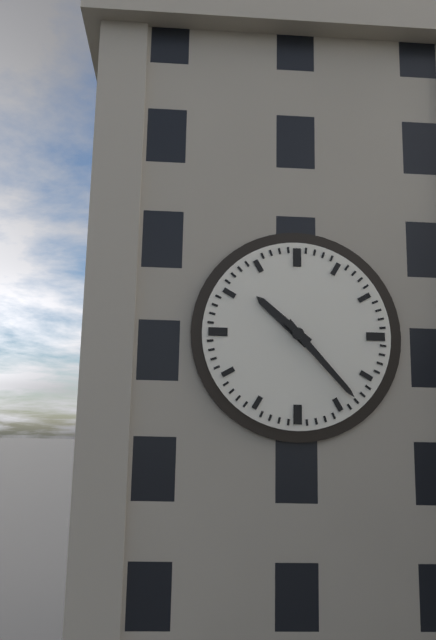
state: 10:23
